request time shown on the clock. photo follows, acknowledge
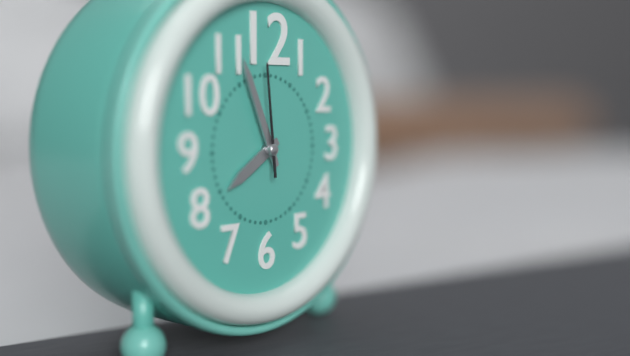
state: 7:56:59
